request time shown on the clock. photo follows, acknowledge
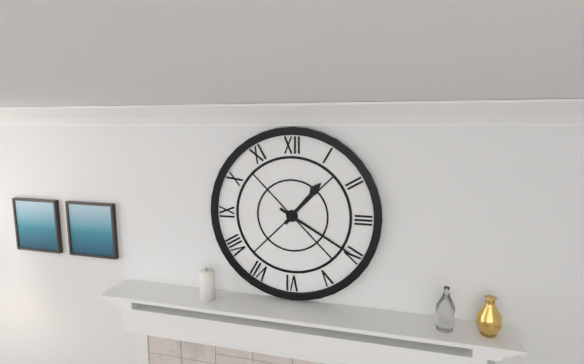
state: 1:20
